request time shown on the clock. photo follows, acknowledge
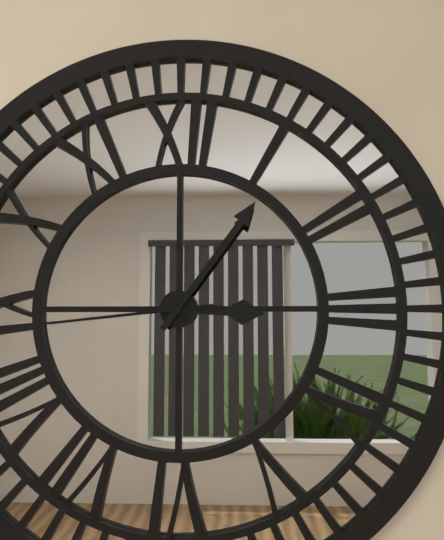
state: 3:06:44
